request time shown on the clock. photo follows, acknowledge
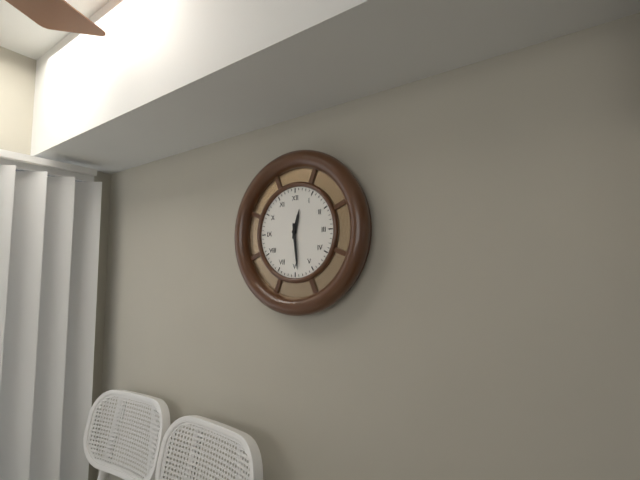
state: 12:29
